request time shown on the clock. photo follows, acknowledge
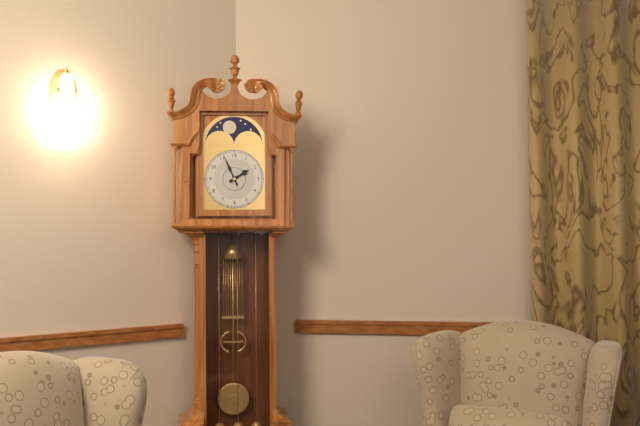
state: 1:56
